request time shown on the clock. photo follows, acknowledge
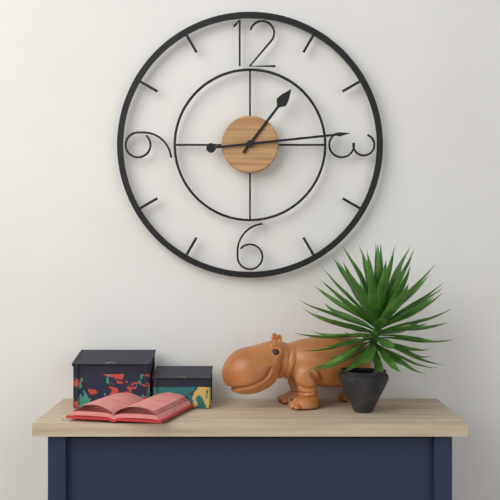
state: 1:14
